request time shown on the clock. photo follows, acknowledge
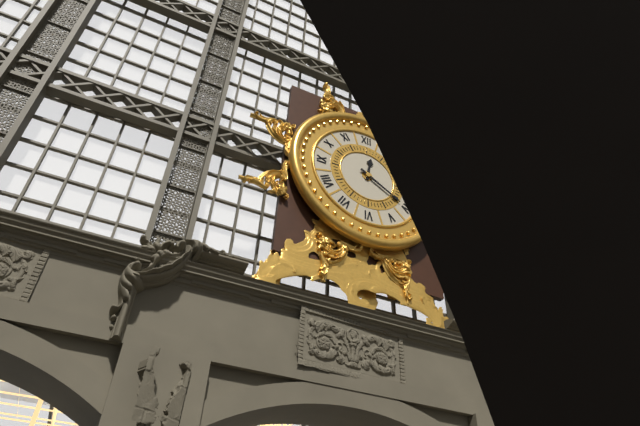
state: 12:20
